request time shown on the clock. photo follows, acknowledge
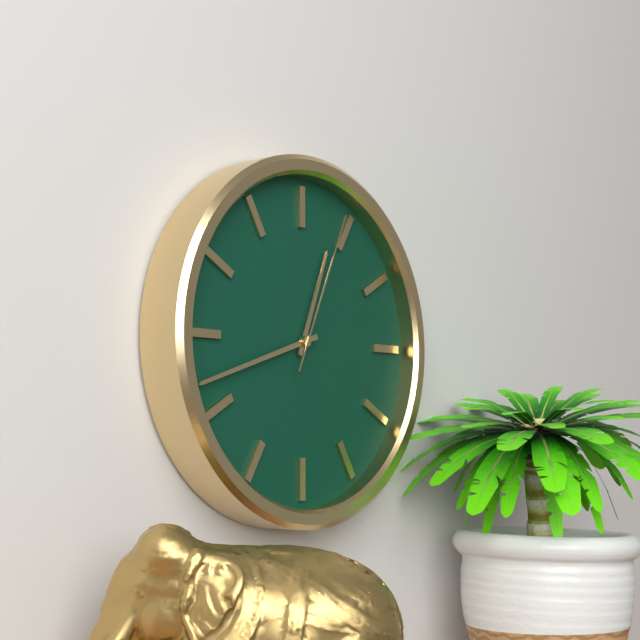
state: 12:42:04
